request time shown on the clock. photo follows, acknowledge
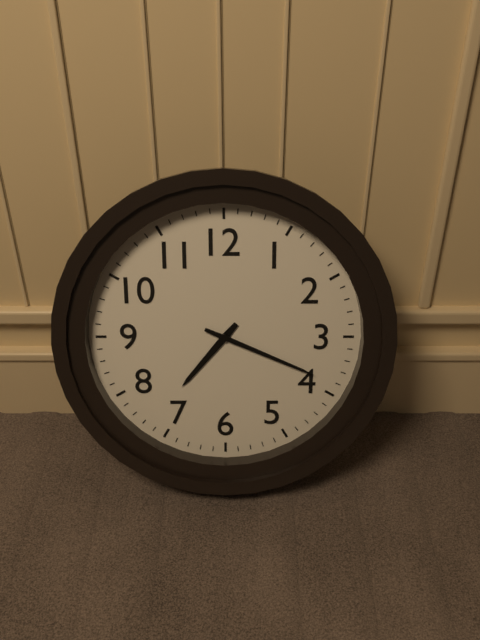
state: 7:19
